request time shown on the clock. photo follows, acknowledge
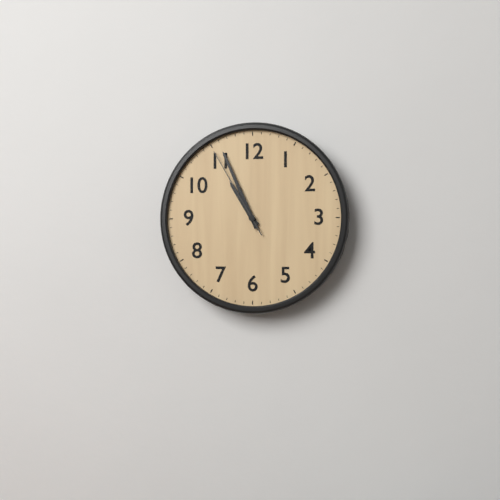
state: 10:56:55
